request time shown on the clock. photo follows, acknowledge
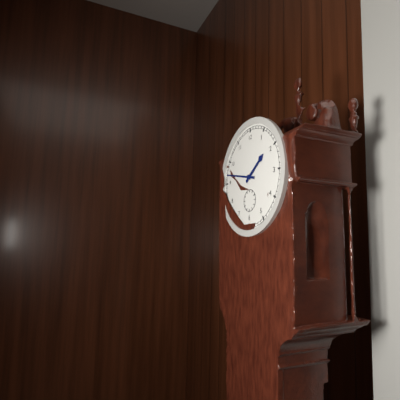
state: 1:47
